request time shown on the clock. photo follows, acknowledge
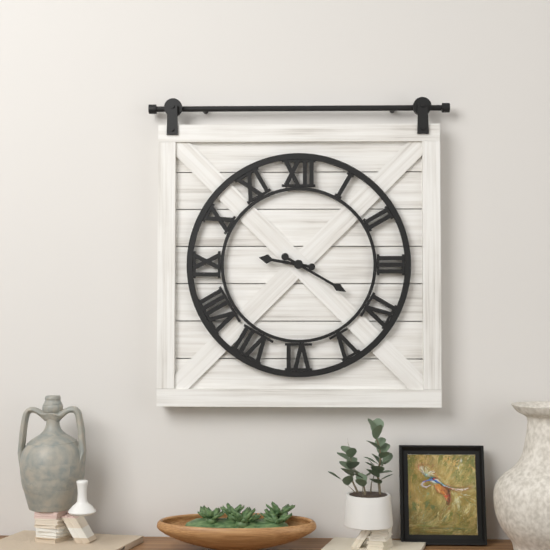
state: 9:20
